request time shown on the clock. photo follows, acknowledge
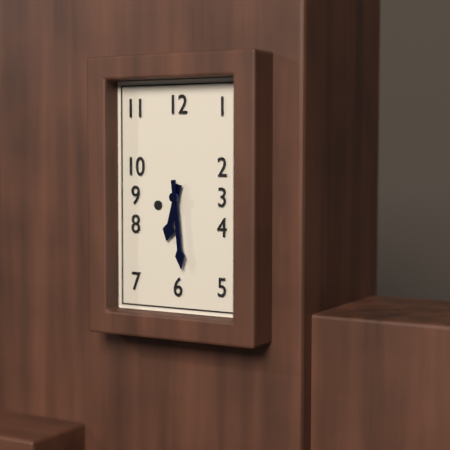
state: 6:29
